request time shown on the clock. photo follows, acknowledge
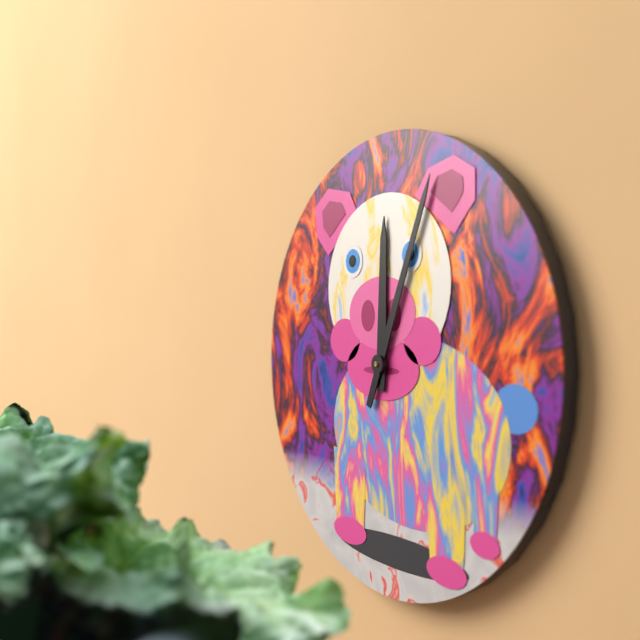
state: 12:04
